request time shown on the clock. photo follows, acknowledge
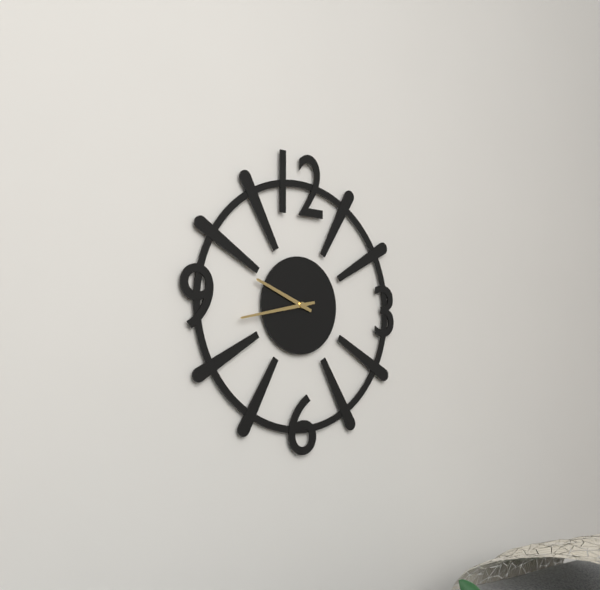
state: 9:43
